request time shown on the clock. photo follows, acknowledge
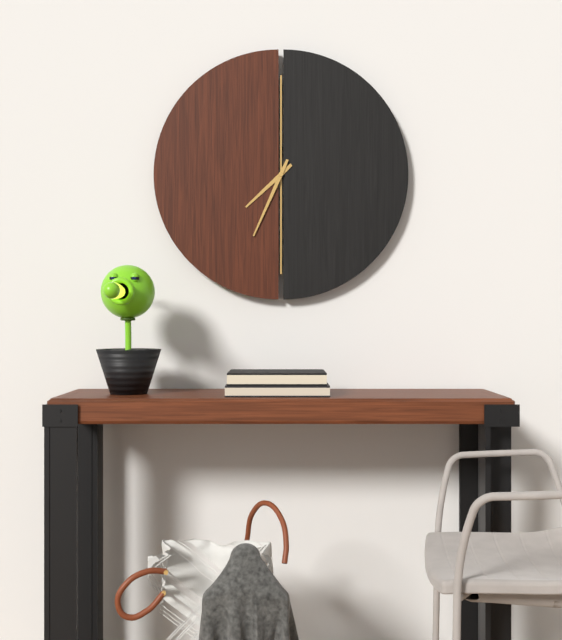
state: 7:34
